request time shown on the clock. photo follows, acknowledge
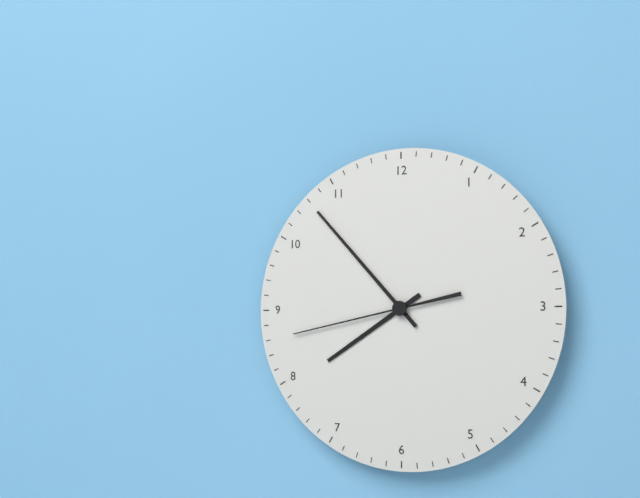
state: 7:53:43
